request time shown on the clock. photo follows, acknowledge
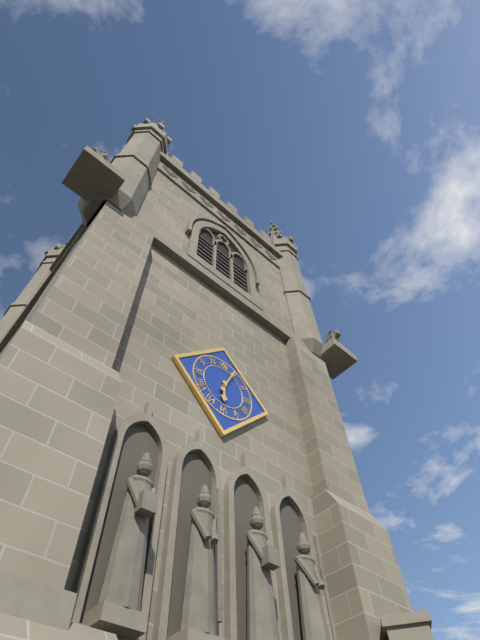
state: 6:04
